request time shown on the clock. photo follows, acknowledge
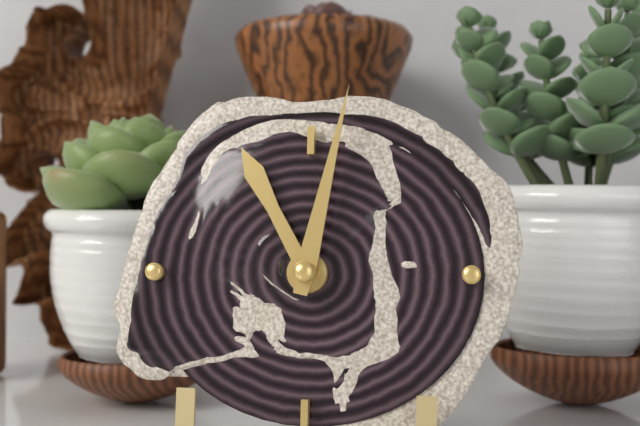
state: 11:02
